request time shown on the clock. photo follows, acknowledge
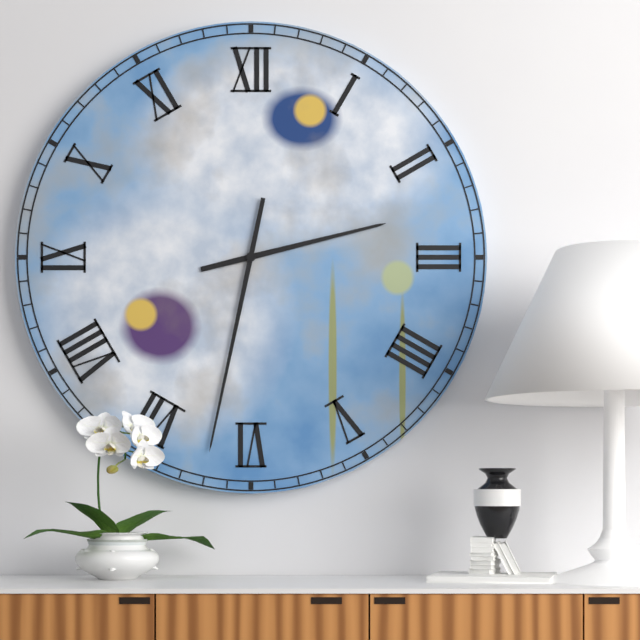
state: 2:32
